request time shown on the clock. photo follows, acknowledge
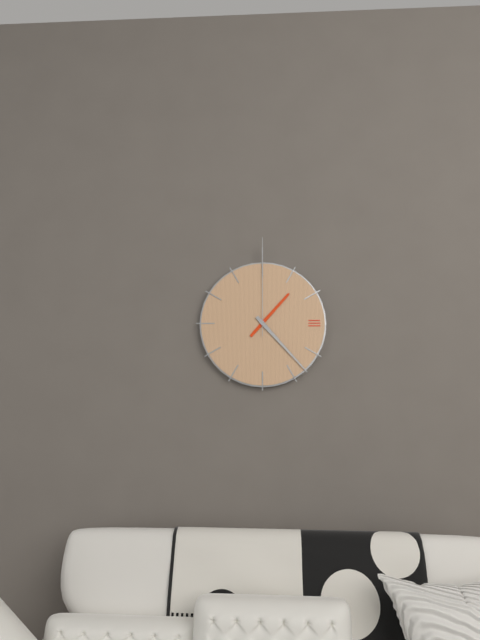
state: 1:23:00
